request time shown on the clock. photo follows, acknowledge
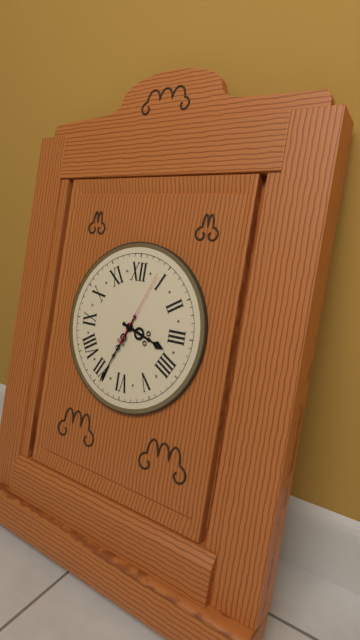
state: 3:34:04
